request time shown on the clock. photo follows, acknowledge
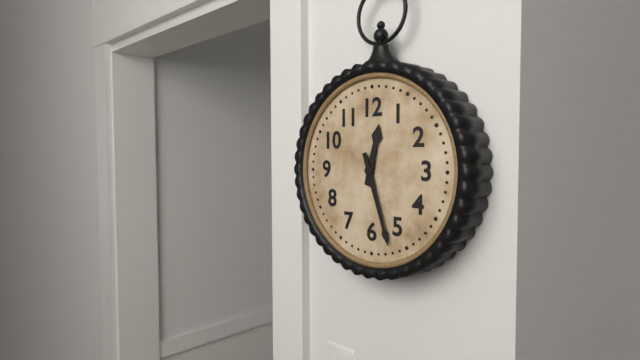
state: 12:27
